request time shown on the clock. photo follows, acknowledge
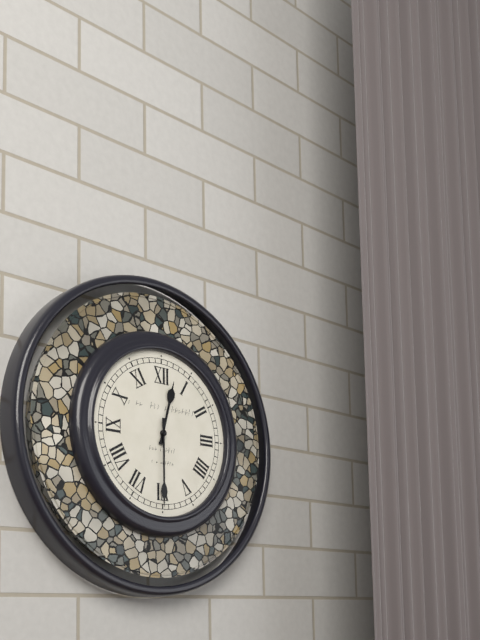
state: 12:30
